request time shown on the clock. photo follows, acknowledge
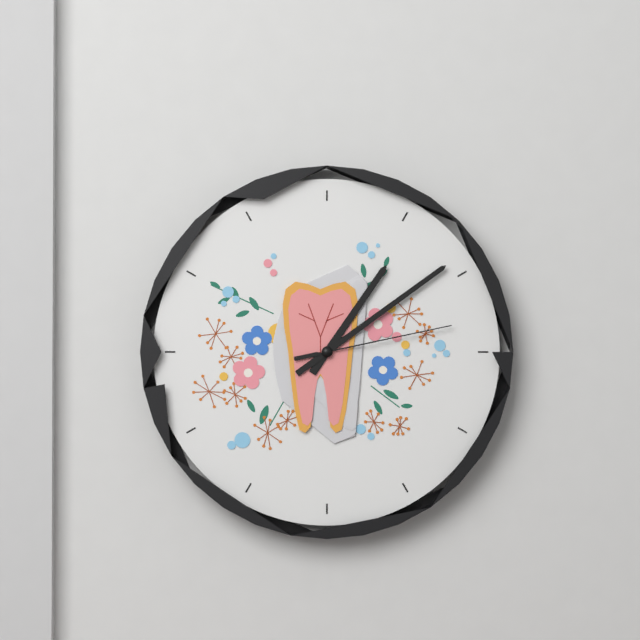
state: 1:09:13
